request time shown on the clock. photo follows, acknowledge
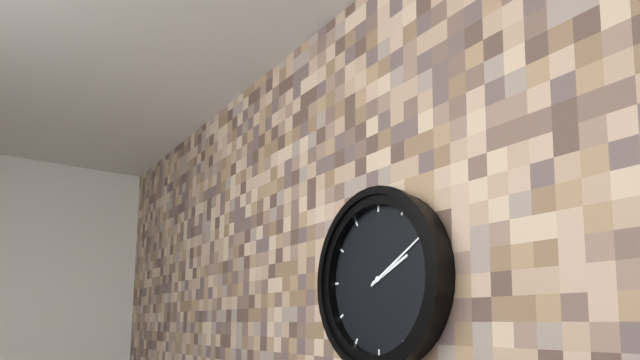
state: 2:10
